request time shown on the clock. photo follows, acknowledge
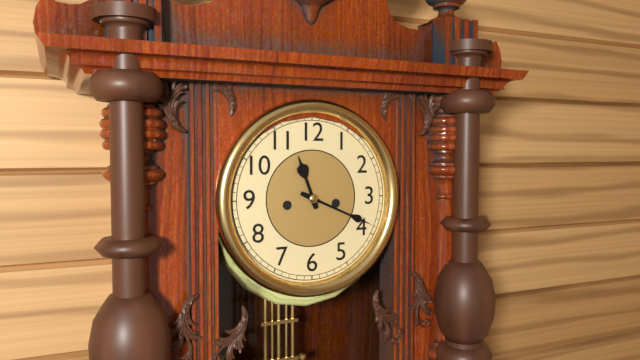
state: 11:19
